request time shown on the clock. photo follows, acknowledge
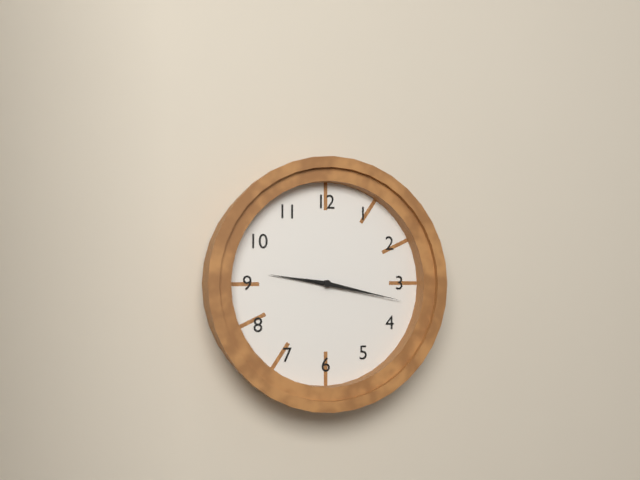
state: 9:17
